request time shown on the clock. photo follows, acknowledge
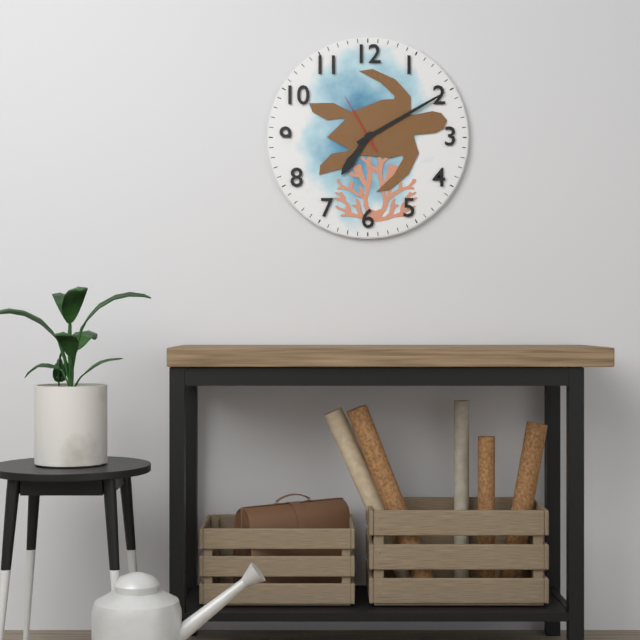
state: 7:10:55
